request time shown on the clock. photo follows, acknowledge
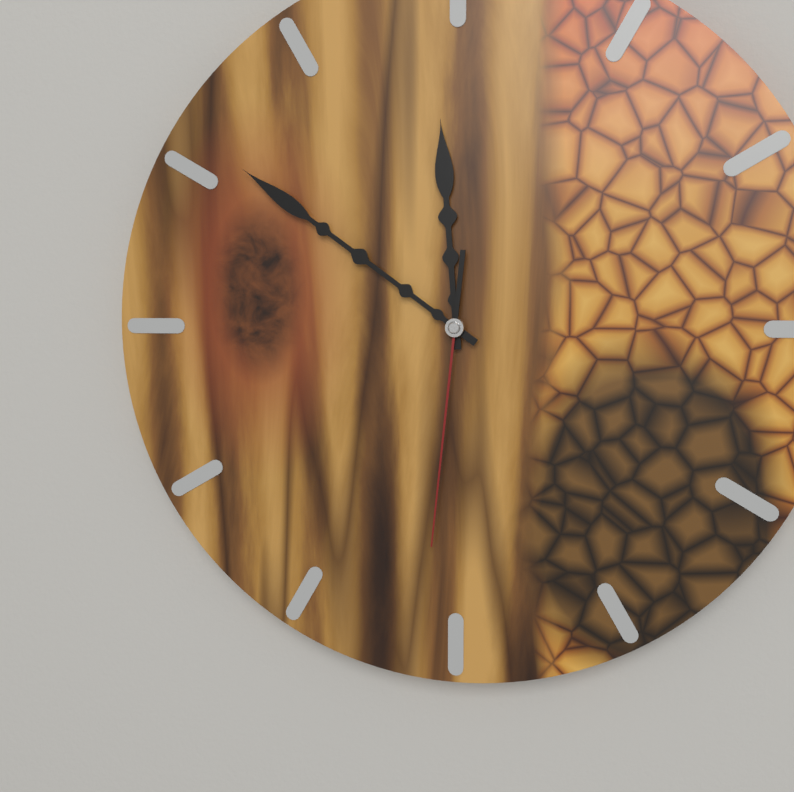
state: 11:51:31
